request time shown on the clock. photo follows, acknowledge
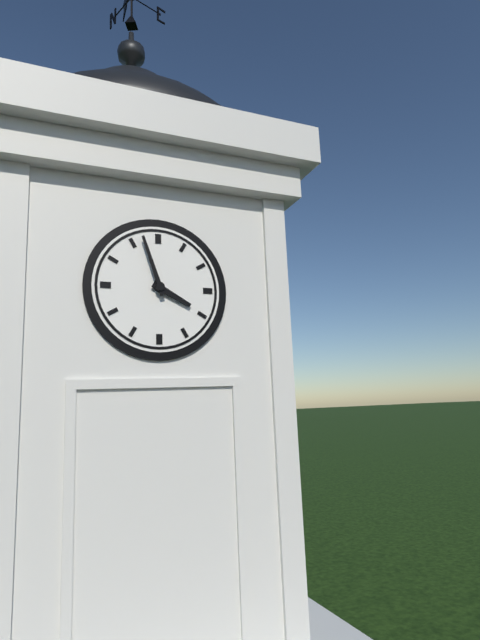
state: 3:57
